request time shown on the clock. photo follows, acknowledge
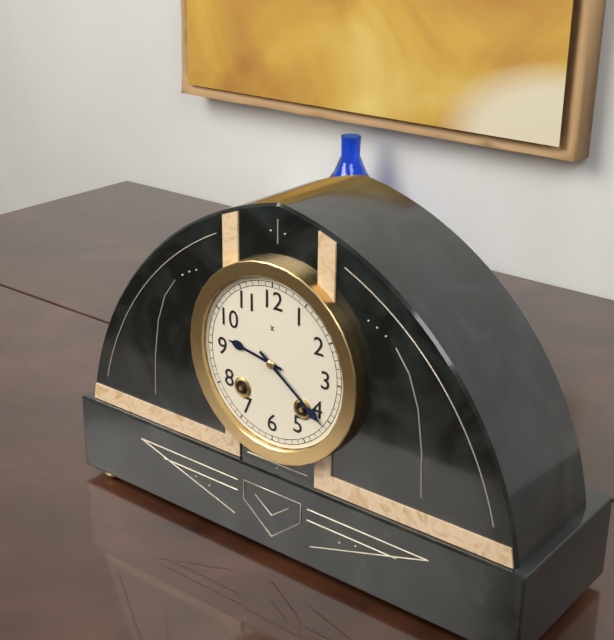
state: 9:21
